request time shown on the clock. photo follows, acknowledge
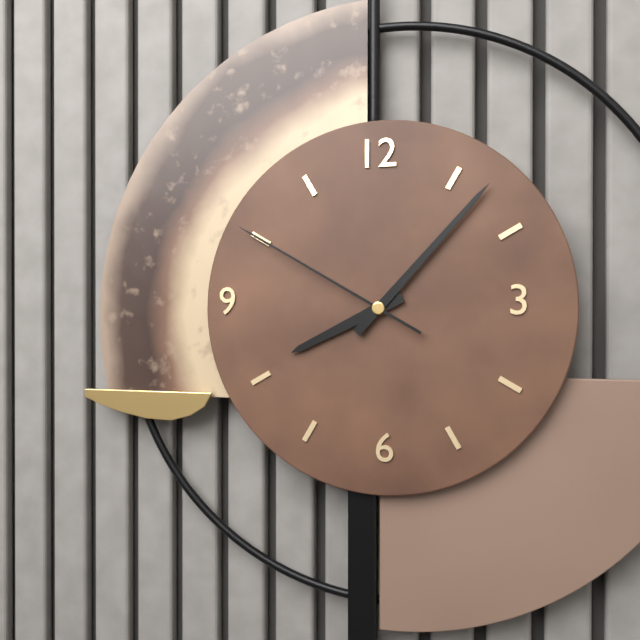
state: 8:07:50
